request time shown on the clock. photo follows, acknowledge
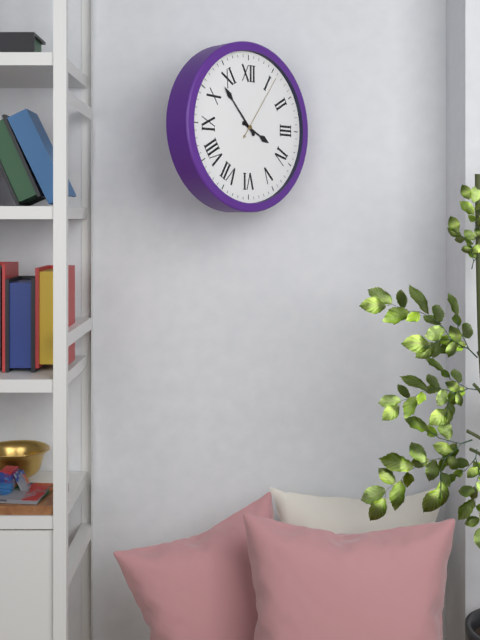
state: 3:53:06
